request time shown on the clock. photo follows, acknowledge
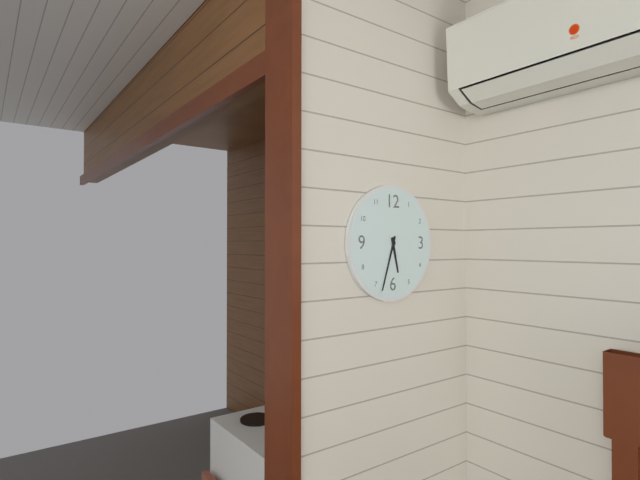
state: 5:33
